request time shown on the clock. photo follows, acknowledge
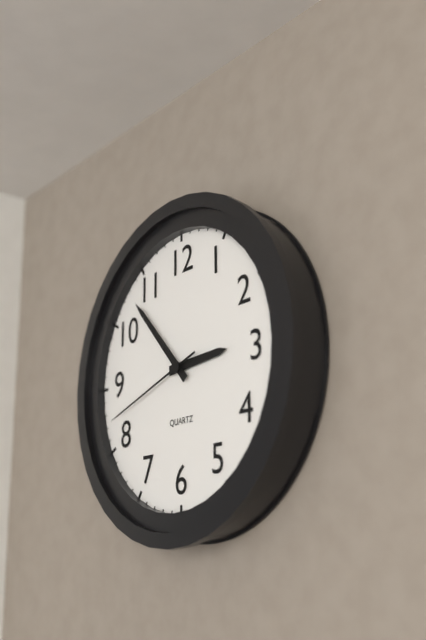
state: 2:53:42
